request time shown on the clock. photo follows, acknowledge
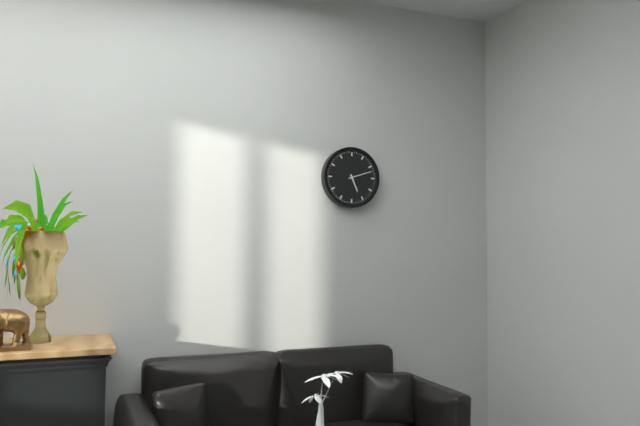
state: 5:12
